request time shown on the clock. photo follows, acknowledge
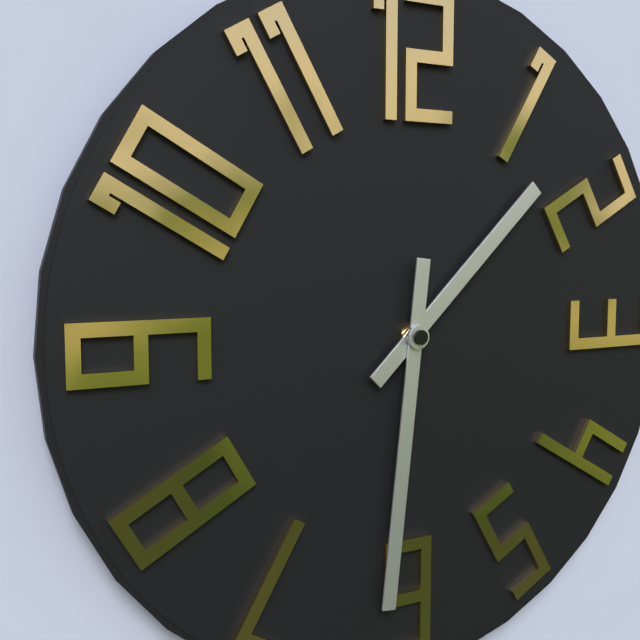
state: 1:31
